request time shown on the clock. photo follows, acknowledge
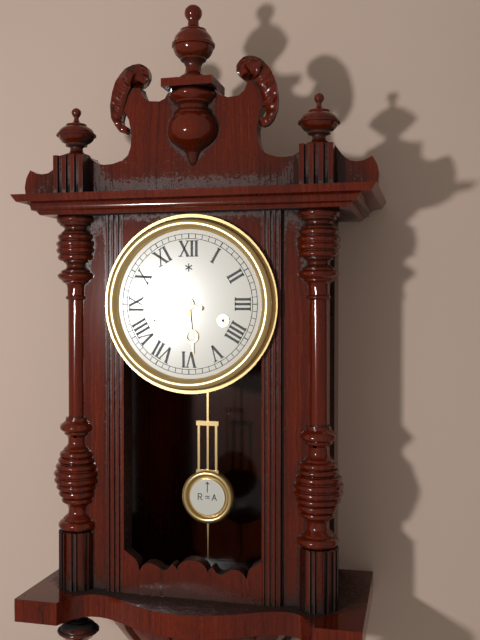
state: 5:48
